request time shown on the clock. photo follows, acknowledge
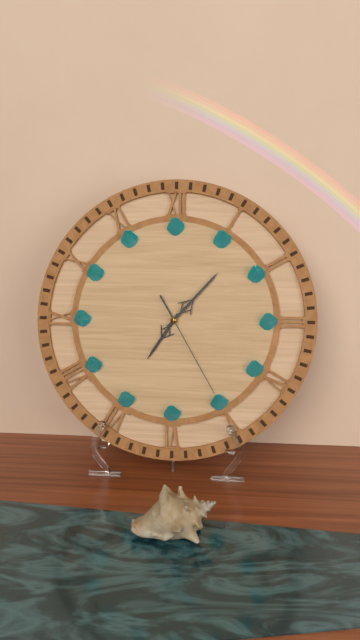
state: 7:07:25
